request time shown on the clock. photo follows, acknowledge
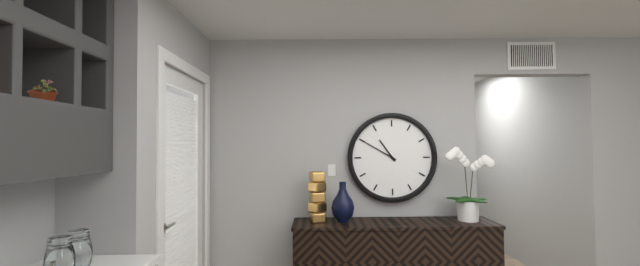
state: 10:50
